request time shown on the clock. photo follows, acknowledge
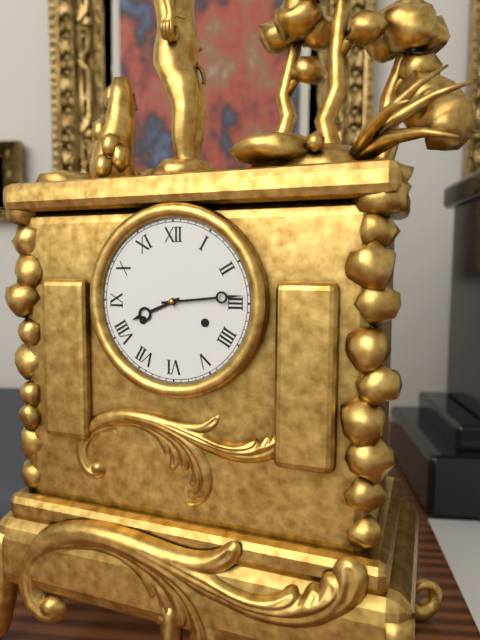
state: 8:14
